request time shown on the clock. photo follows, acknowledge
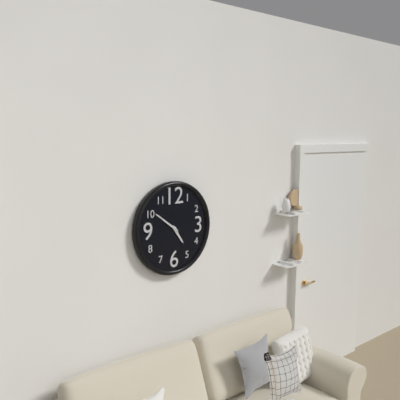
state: 4:51
